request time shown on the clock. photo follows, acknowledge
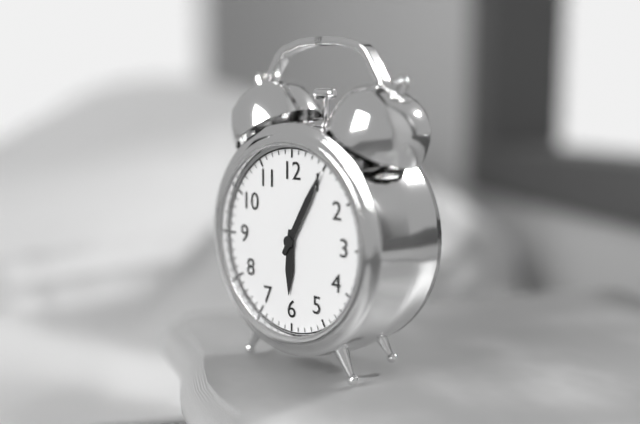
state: 6:05
